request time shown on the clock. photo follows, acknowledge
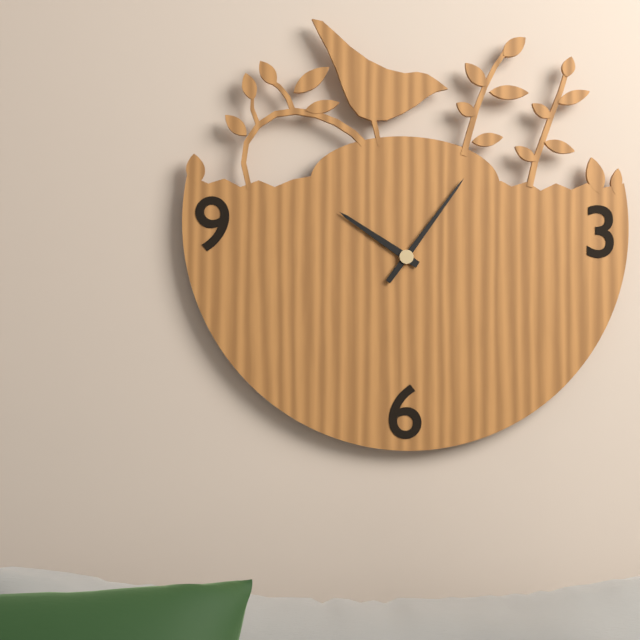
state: 10:06
